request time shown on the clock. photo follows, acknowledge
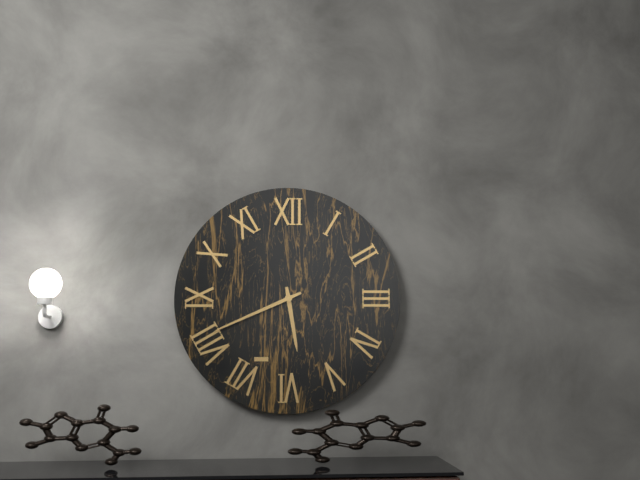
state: 5:41
